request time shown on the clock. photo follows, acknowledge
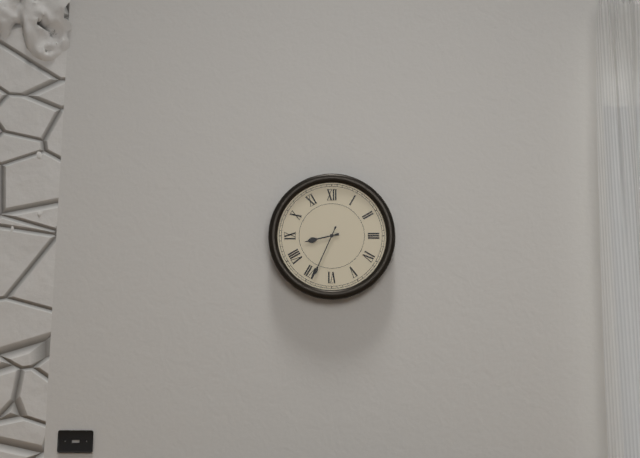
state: 8:34
